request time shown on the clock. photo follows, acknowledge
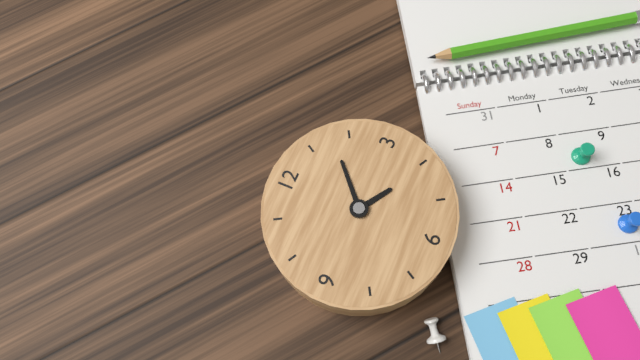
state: 4:08
